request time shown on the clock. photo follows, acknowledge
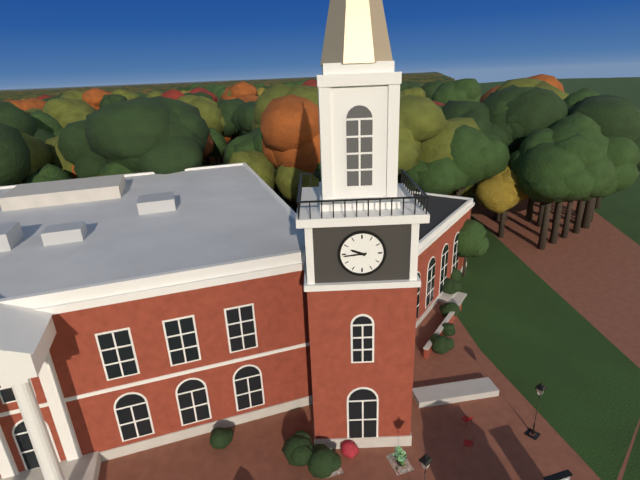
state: 9:44
